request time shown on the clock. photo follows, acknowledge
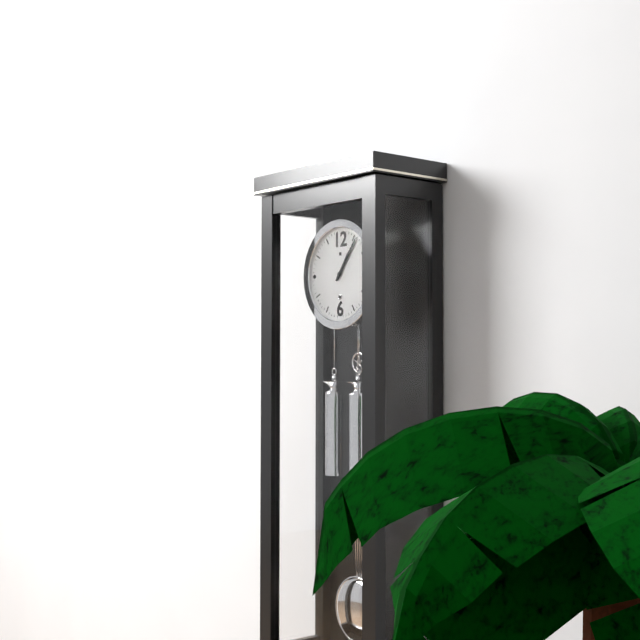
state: 1:06
